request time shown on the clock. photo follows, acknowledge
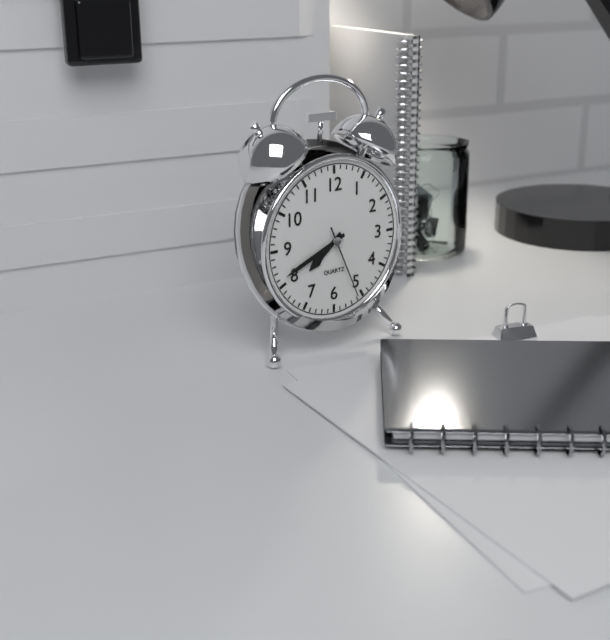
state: 7:41:26
